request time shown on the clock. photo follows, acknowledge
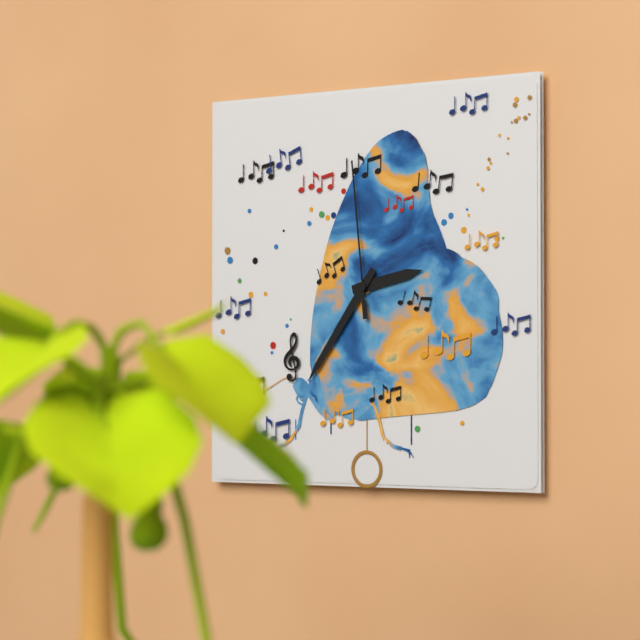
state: 2:36:59
